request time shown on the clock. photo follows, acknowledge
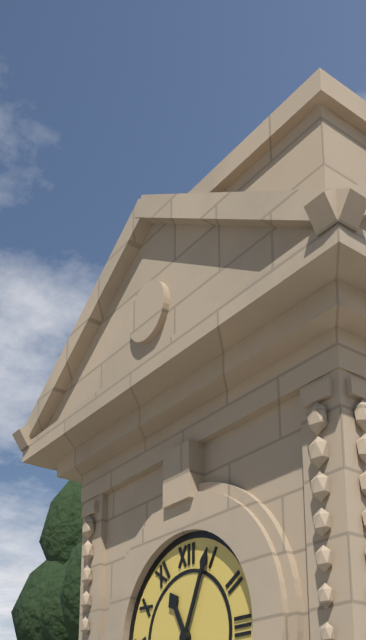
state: 11:04
